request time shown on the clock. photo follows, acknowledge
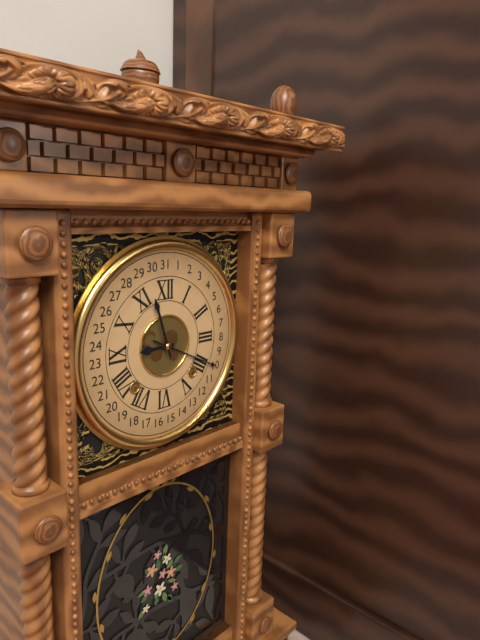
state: 8:57
